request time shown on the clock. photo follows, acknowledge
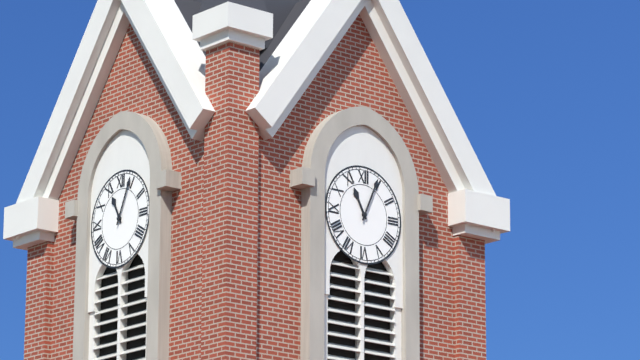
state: 11:04
